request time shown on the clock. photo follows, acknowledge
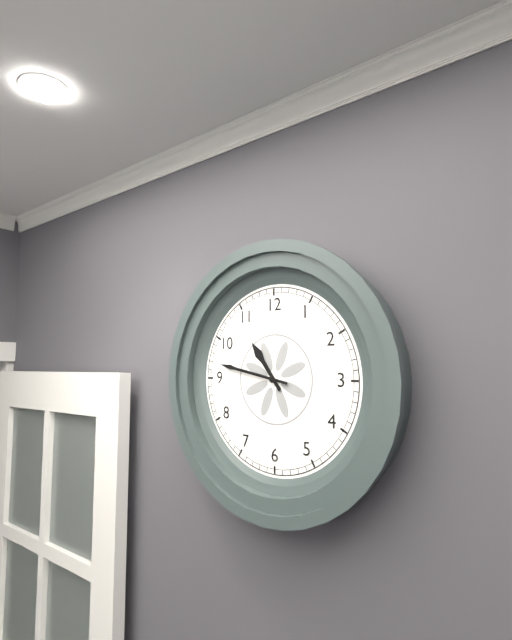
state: 10:47
